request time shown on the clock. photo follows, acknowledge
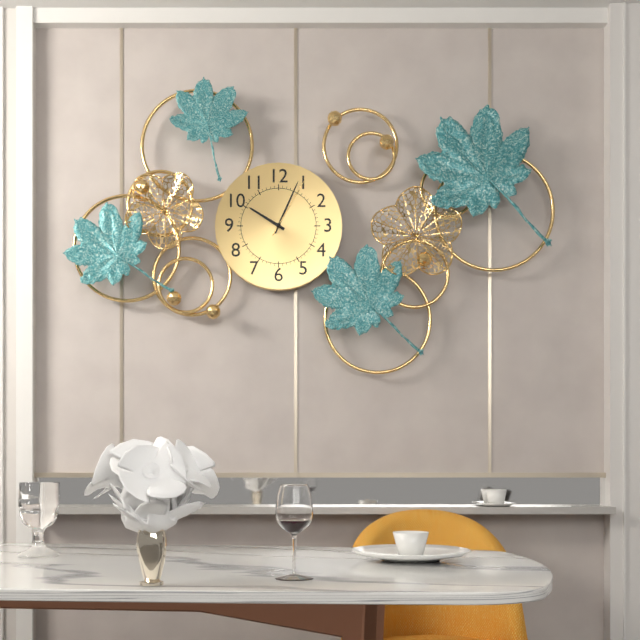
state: 10:04:05
